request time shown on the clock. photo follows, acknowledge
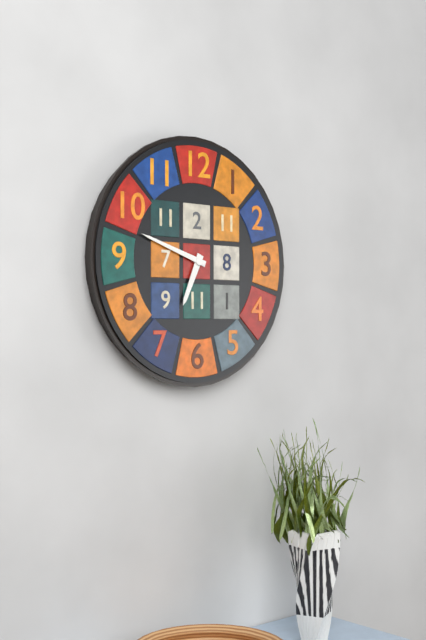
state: 6:48
